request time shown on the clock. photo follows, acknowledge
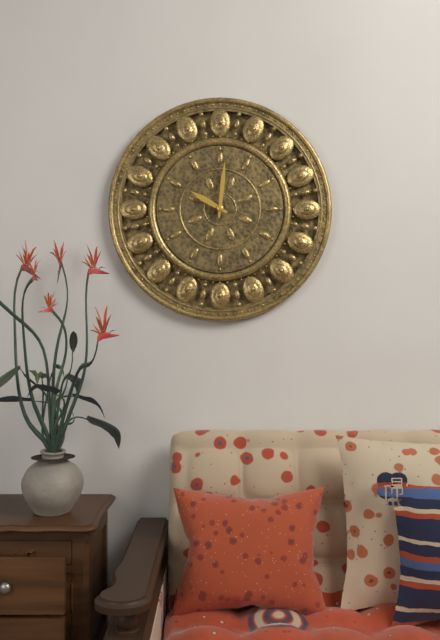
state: 10:01
